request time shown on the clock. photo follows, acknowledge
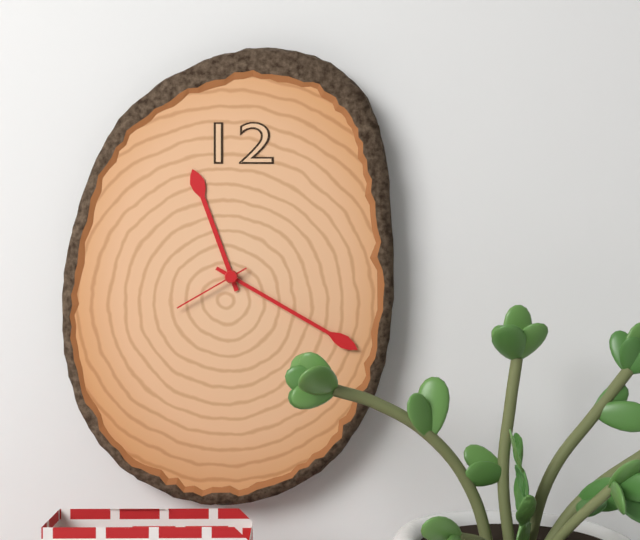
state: 11:20:40
